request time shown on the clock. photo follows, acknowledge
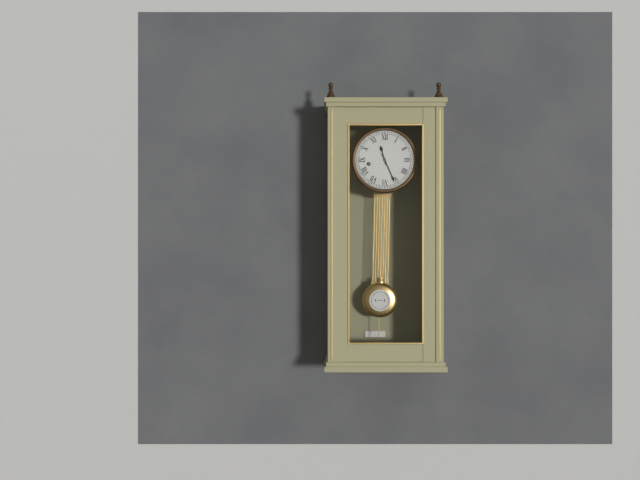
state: 11:26
